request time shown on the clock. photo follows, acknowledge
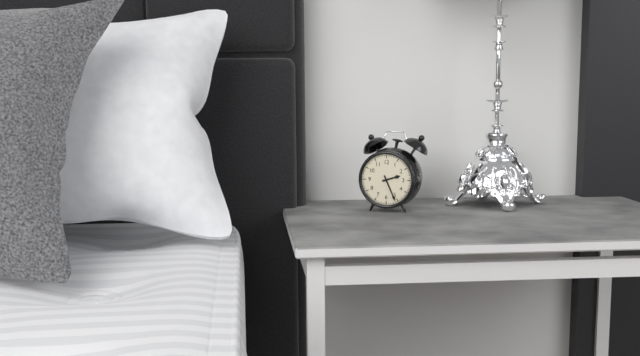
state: 2:26
